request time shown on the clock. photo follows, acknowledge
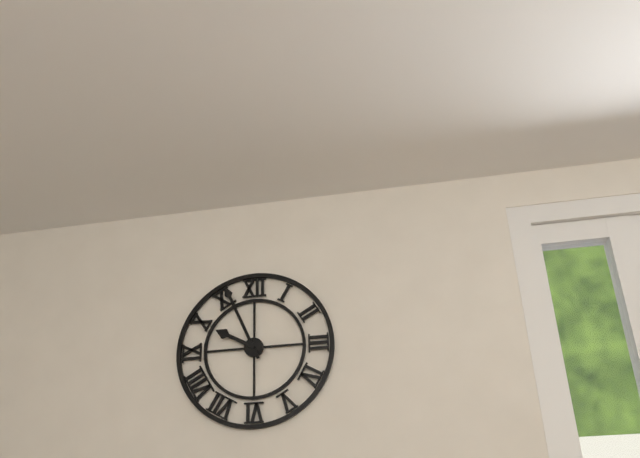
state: 9:56
